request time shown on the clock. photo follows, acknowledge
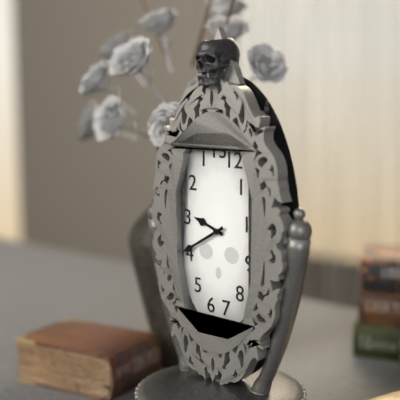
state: 9:40
